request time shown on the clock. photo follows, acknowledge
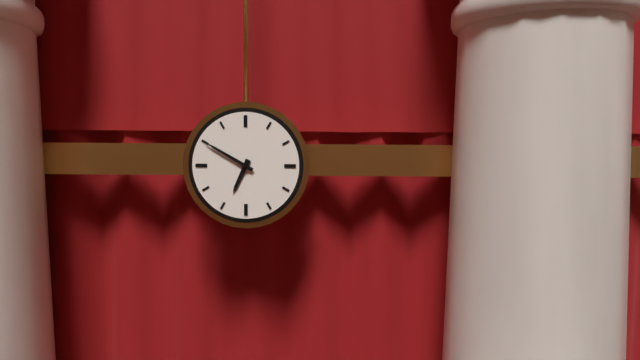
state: 6:50
